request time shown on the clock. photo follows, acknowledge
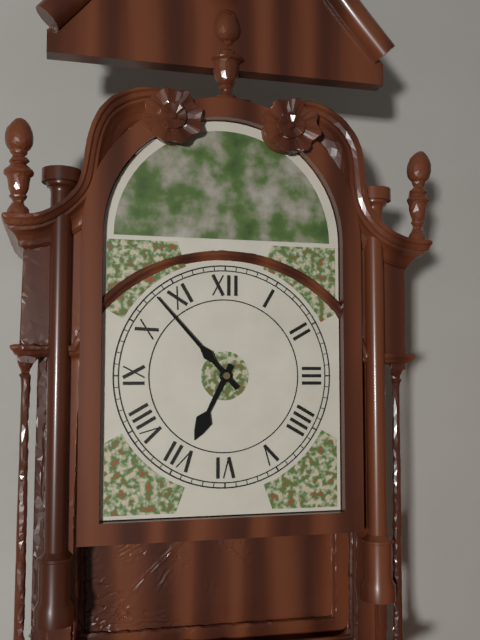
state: 6:53
